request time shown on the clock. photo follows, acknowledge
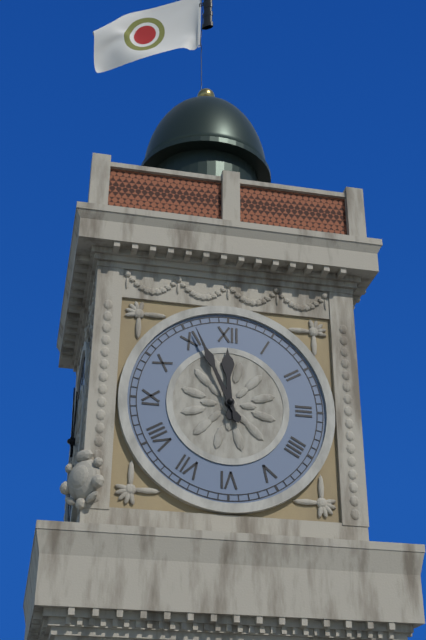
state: 11:56
